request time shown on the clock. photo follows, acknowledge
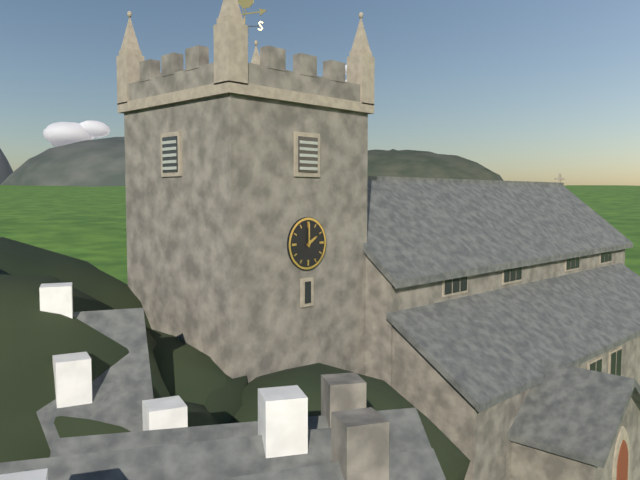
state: 2:00
